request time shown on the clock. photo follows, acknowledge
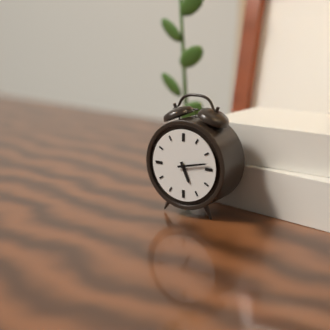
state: 5:13
